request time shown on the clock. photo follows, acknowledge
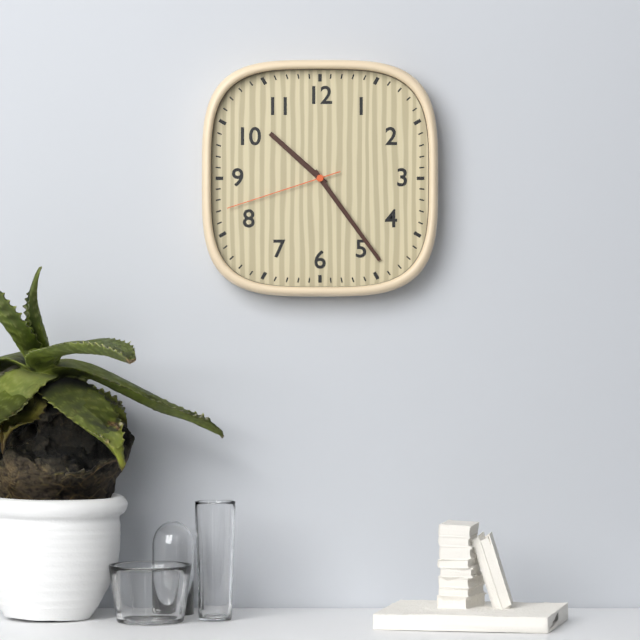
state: 10:24:42
